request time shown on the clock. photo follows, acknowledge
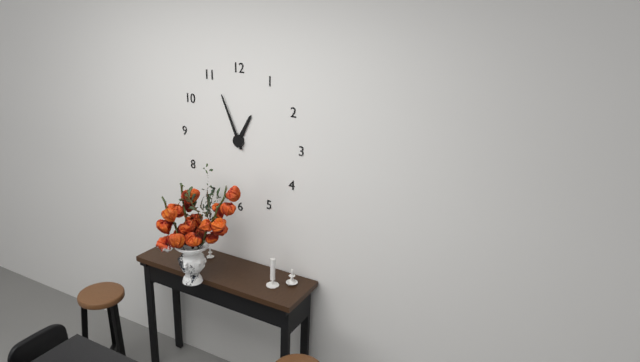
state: 12:56
